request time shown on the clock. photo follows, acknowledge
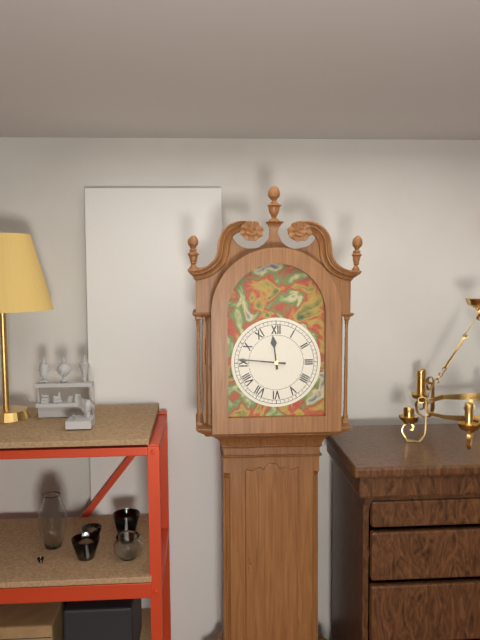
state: 11:46
